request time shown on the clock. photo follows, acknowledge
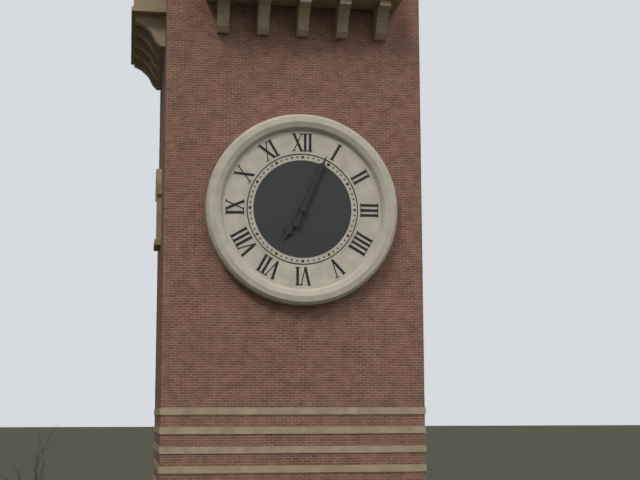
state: 7:04
